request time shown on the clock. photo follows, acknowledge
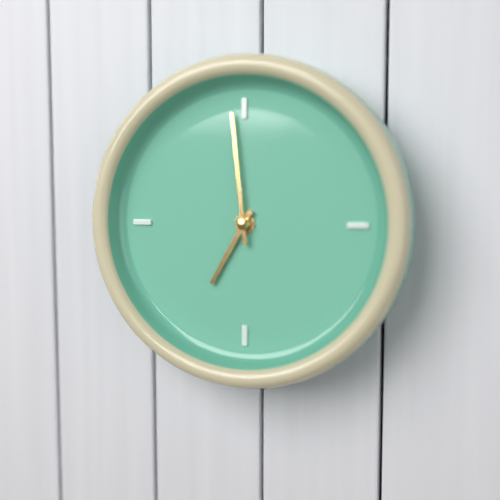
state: 6:59
